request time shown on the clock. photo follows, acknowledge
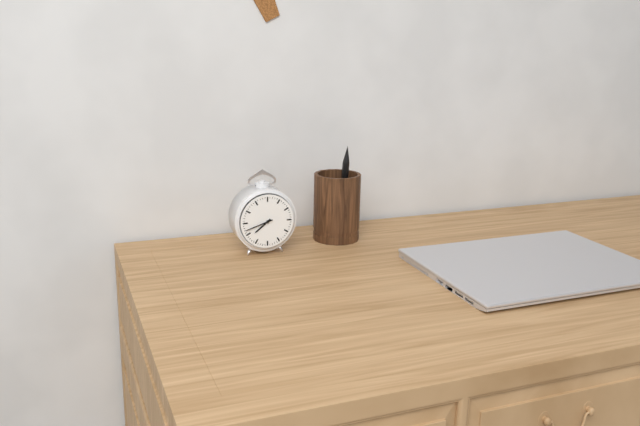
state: 7:42
